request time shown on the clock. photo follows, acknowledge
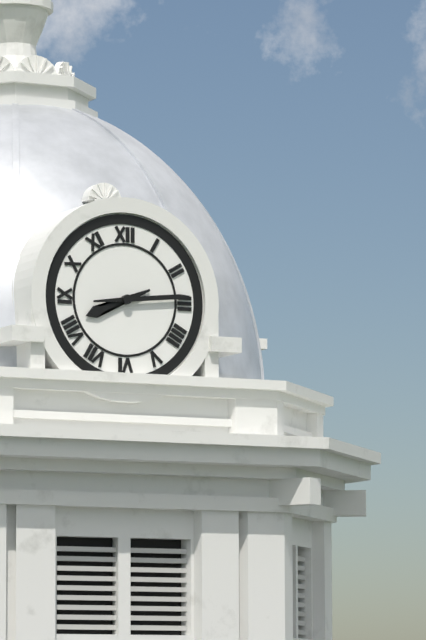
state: 8:14
